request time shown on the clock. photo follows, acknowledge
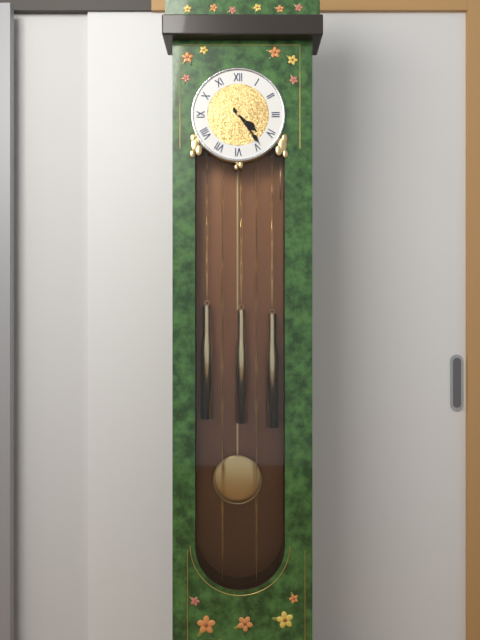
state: 4:24
